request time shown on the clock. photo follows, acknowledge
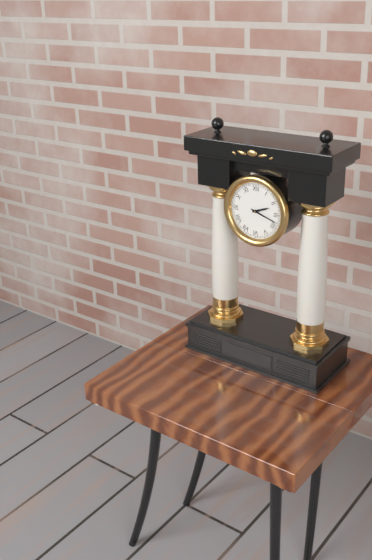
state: 2:18
